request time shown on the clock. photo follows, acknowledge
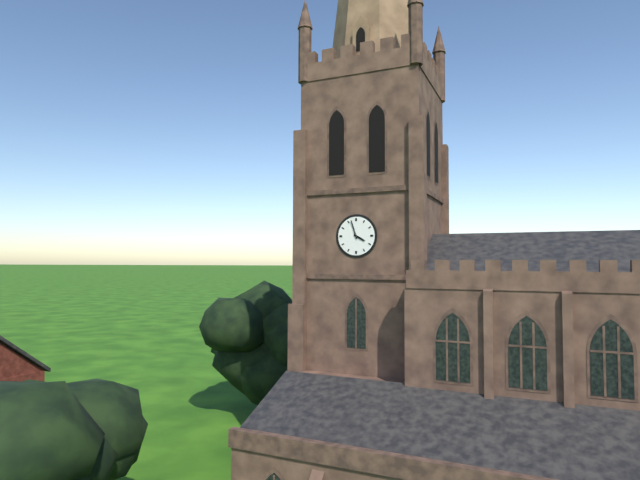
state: 3:57
